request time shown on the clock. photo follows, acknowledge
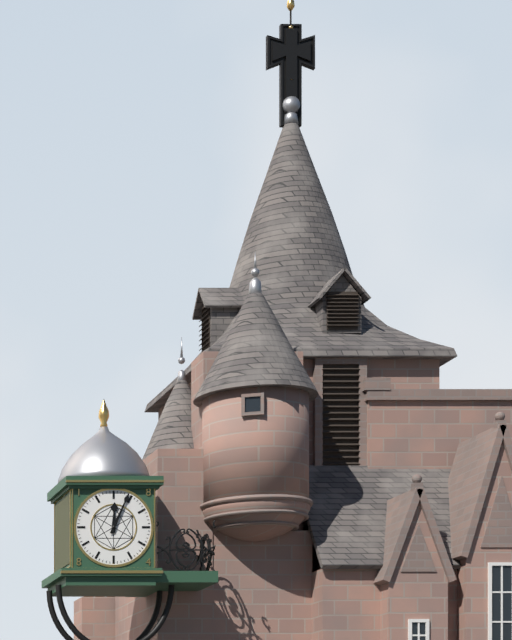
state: 12:04
